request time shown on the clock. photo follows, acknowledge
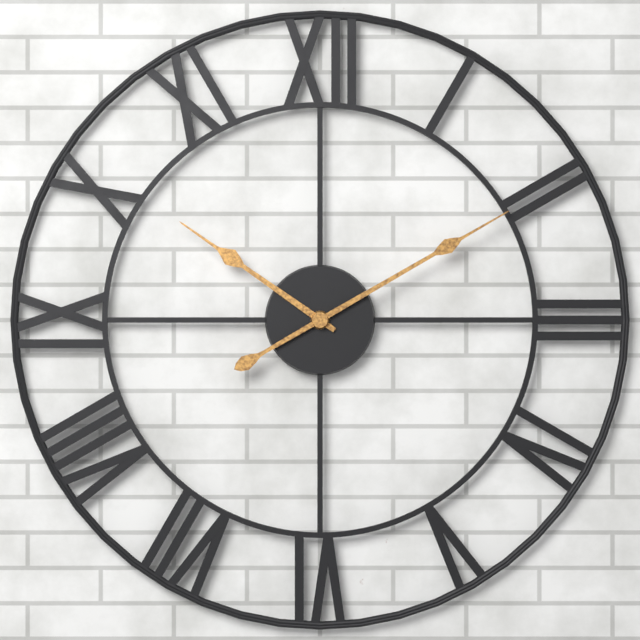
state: 10:10
